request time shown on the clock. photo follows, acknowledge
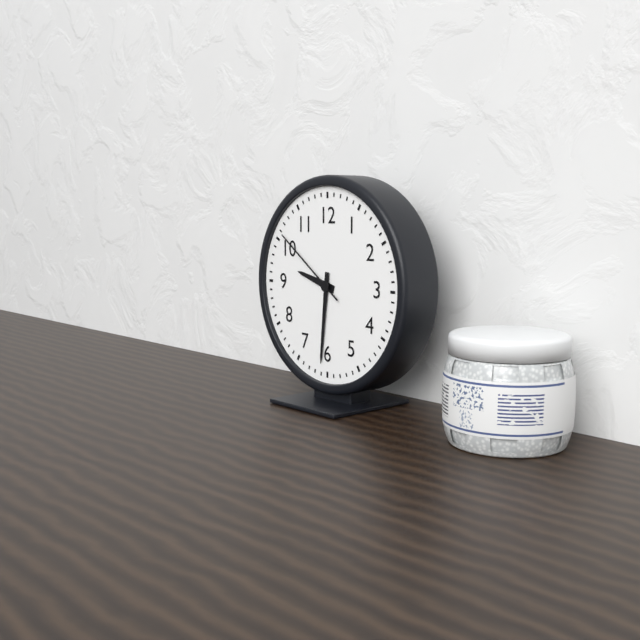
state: 9:31:51
